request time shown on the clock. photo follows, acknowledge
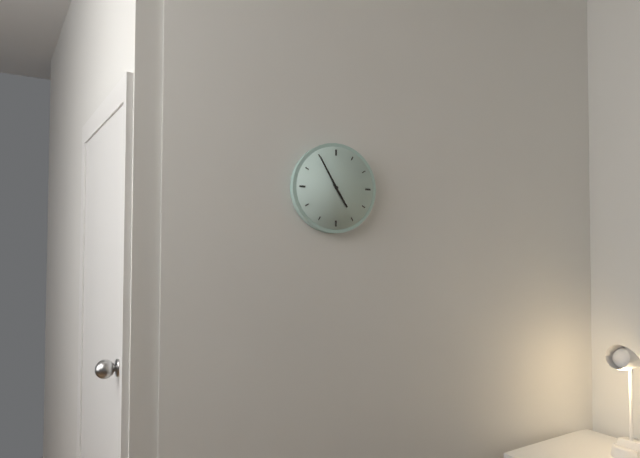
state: 4:55
